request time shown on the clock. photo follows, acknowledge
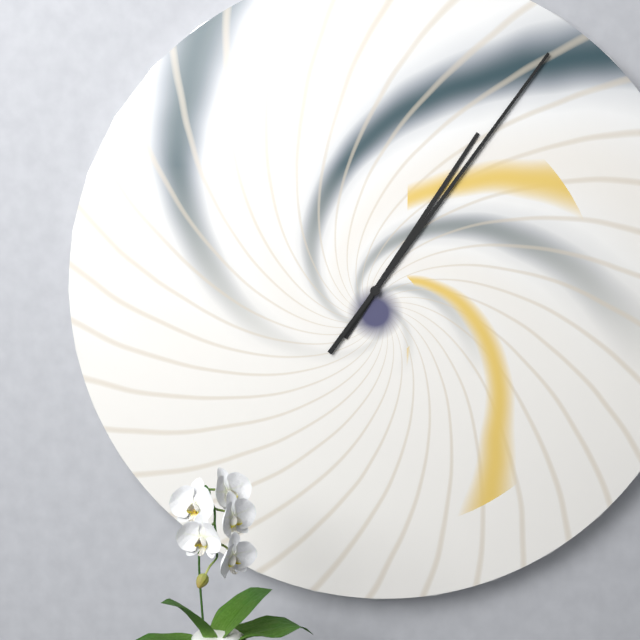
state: 1:06
